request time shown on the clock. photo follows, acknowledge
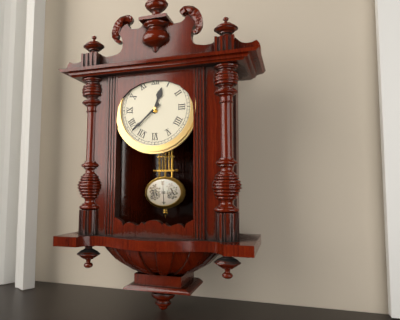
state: 12:38
